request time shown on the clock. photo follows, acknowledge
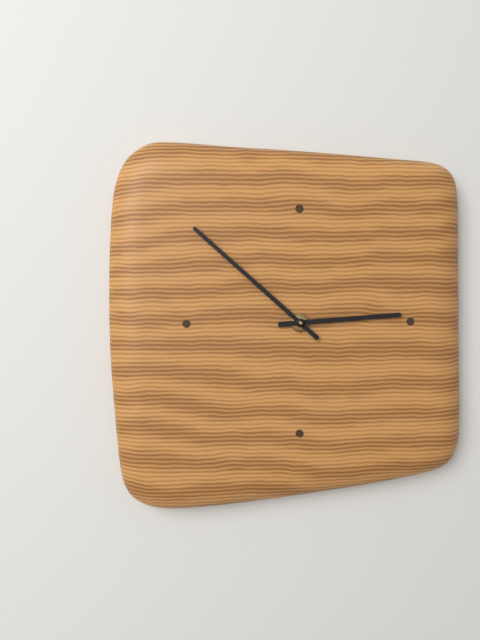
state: 2:52
